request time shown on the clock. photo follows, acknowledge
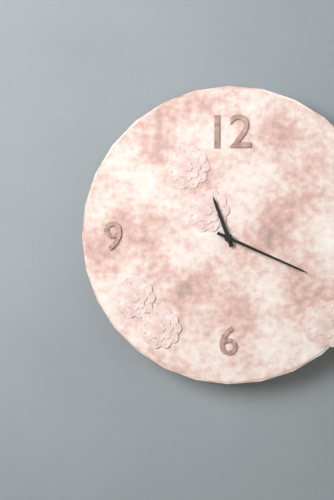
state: 11:19
